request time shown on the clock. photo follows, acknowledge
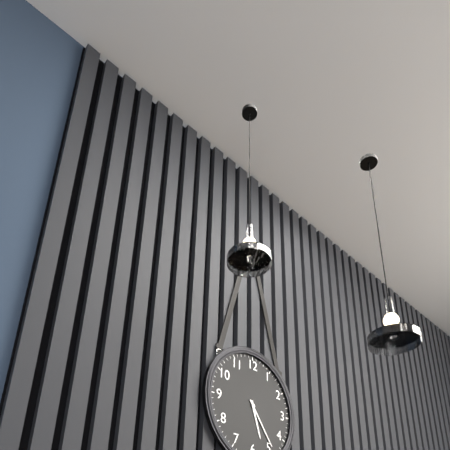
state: 5:24
